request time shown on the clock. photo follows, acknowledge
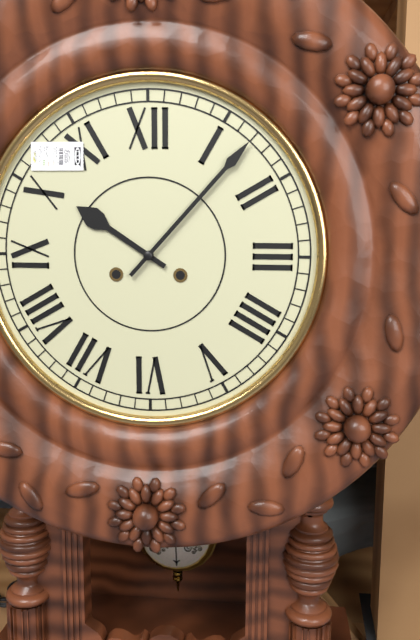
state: 10:07
